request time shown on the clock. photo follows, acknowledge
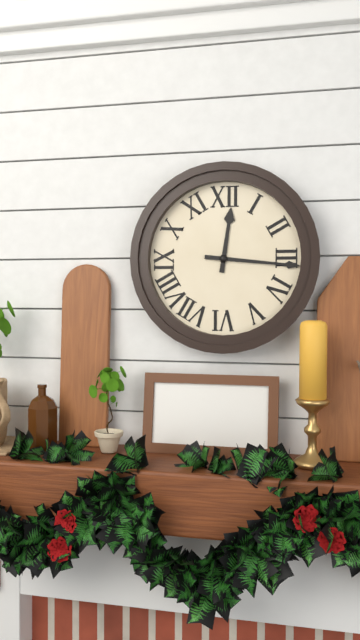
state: 12:16
